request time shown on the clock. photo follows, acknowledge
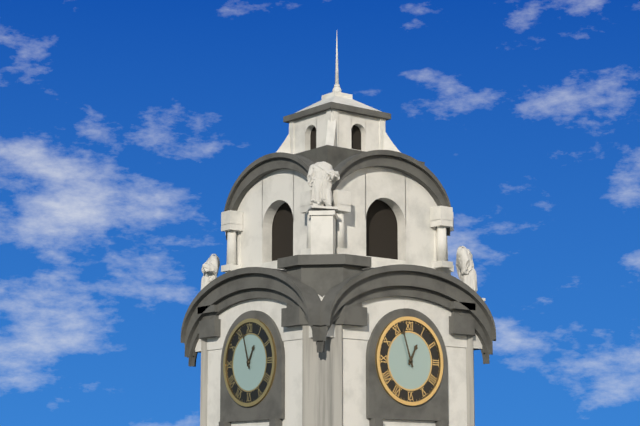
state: 12:57
